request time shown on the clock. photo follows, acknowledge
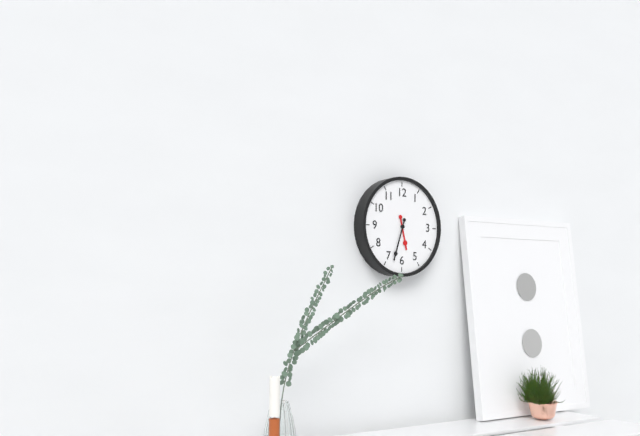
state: 5:33
